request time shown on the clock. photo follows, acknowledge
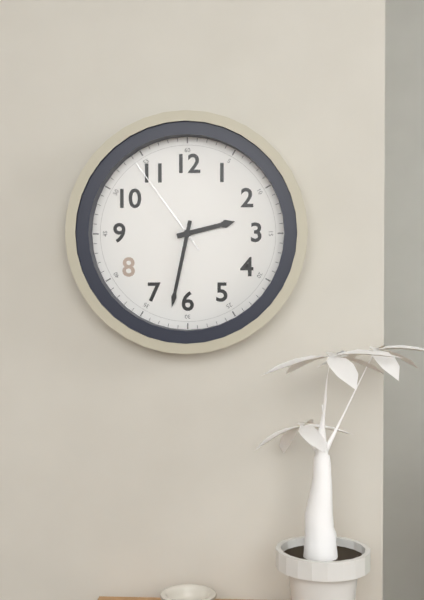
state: 2:32:54
